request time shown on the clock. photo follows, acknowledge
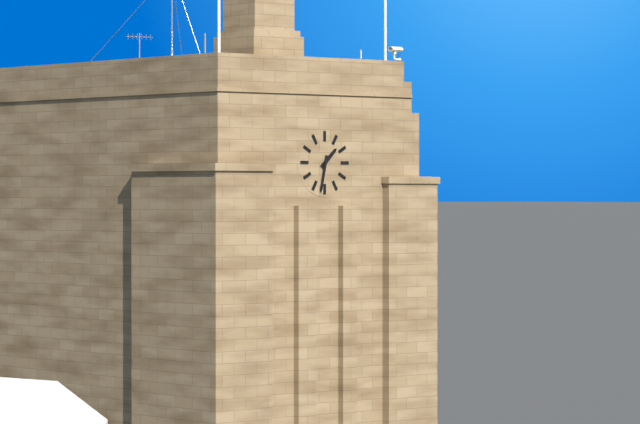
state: 1:32
